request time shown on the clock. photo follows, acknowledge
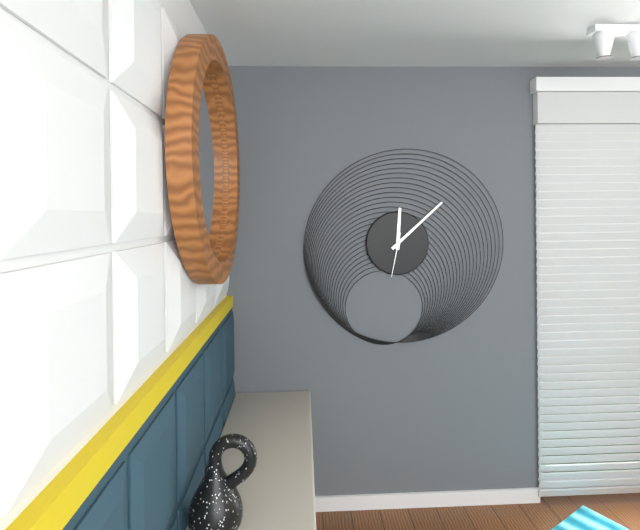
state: 12:08
